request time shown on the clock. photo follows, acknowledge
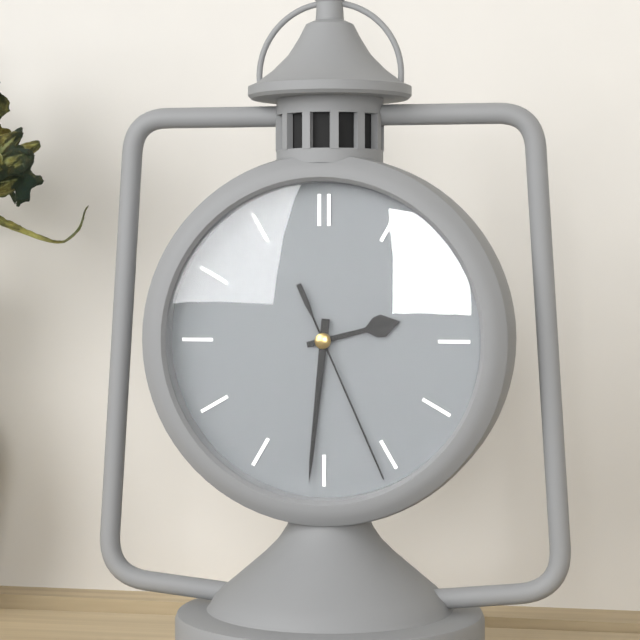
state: 2:31:26
